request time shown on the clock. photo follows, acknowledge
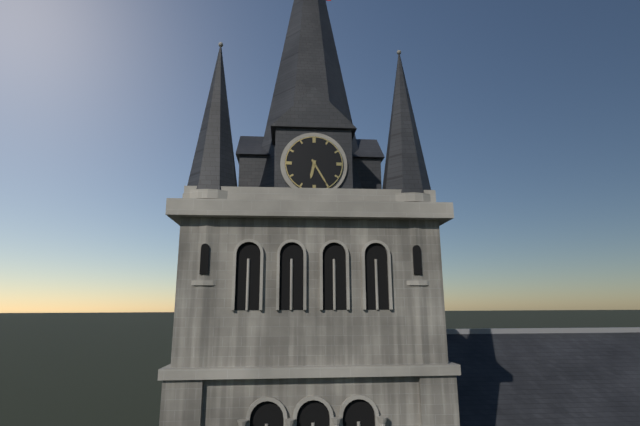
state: 6:25
